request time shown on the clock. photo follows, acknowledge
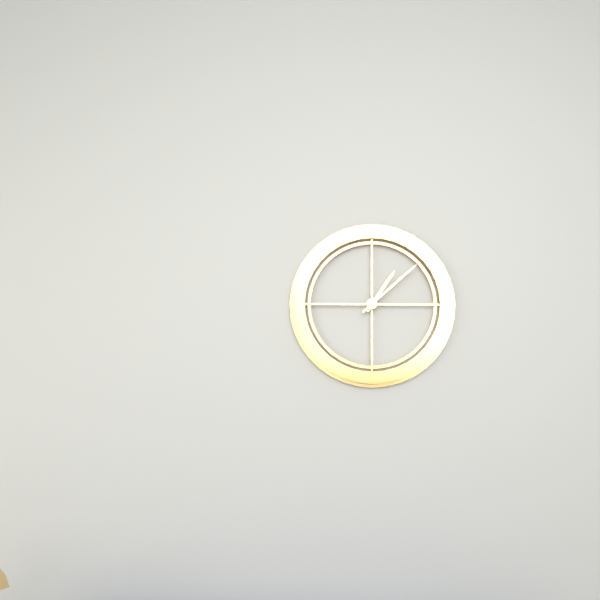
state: 1:08
